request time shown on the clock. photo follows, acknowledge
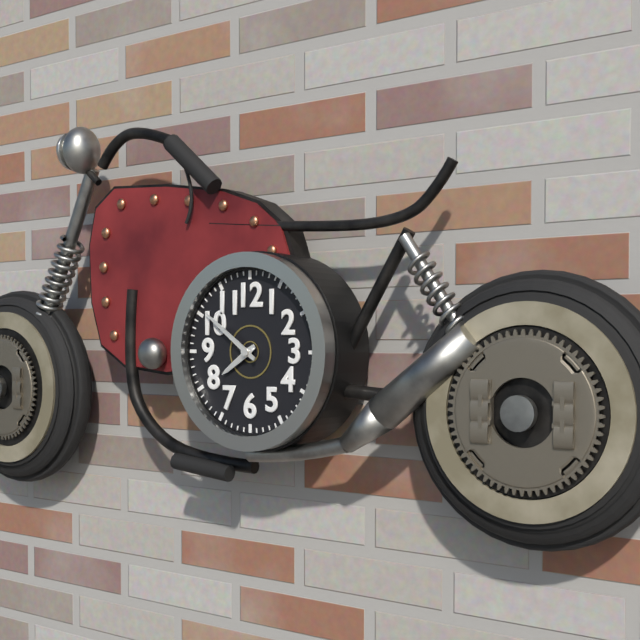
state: 7:51
